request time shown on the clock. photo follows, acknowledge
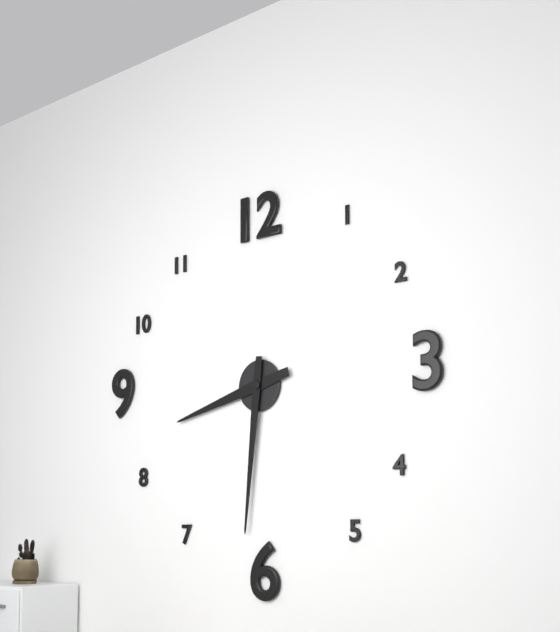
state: 8:31
